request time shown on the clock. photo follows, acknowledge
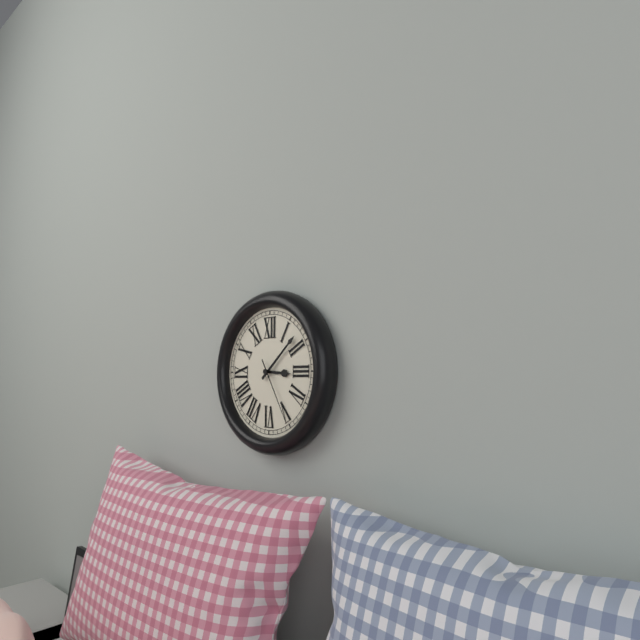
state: 3:08:25
